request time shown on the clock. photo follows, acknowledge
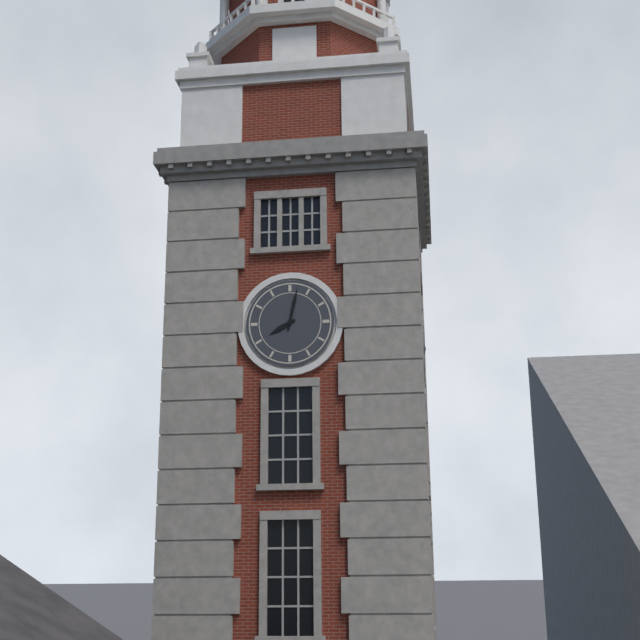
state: 8:02
